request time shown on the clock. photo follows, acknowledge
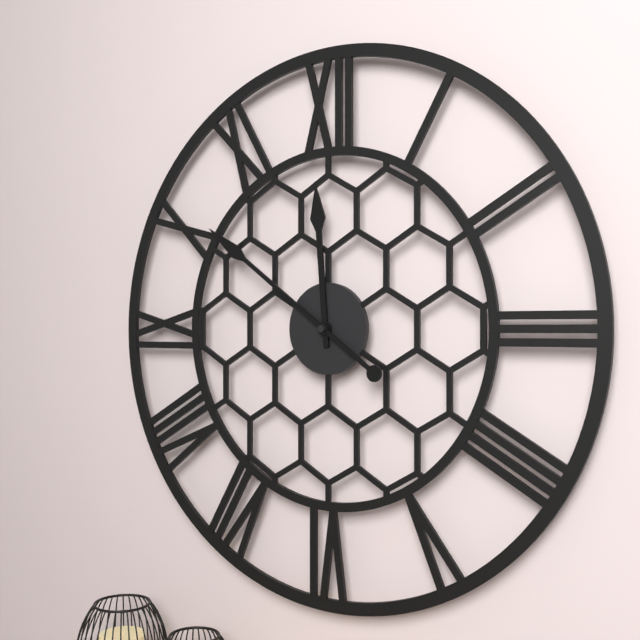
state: 11:51
